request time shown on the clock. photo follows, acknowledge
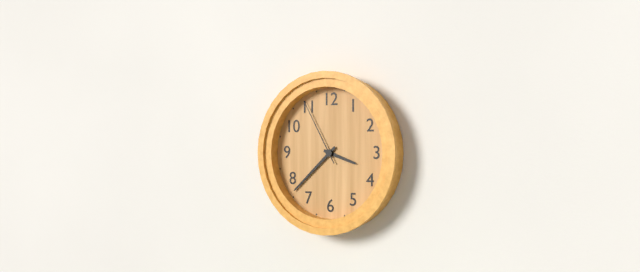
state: 3:38:55
